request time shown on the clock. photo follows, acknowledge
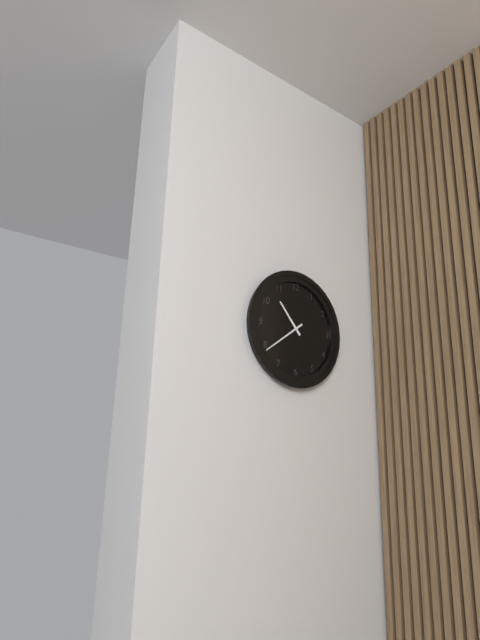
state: 10:39
